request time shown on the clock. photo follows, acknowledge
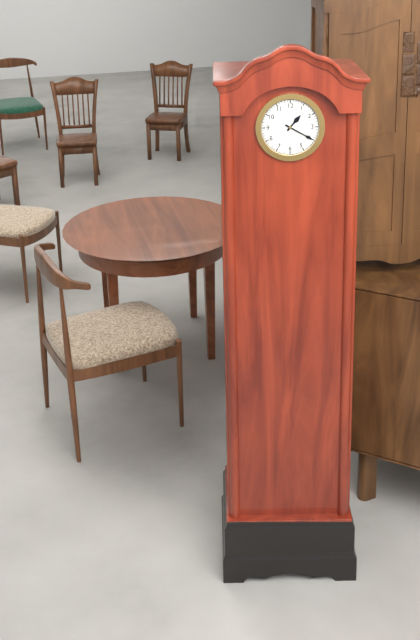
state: 1:20
